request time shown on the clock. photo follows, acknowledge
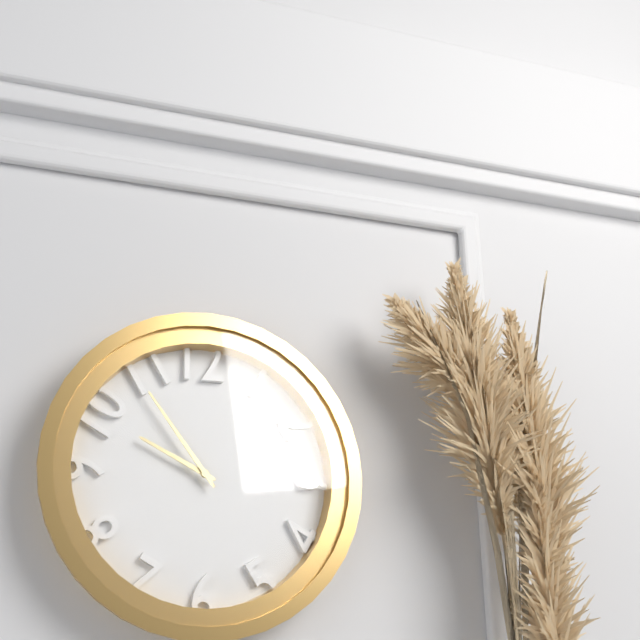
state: 9:54
